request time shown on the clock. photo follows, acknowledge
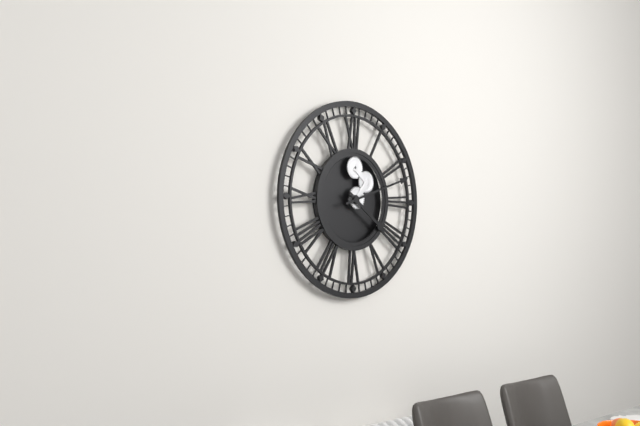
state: 4:12
